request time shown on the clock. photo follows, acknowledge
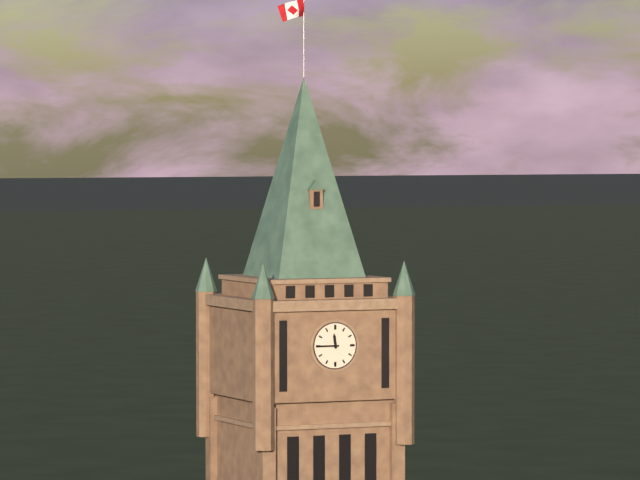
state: 11:45
